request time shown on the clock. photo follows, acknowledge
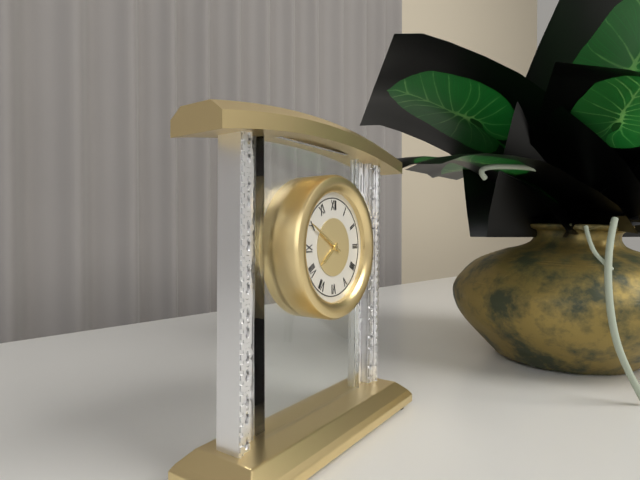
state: 7:50
